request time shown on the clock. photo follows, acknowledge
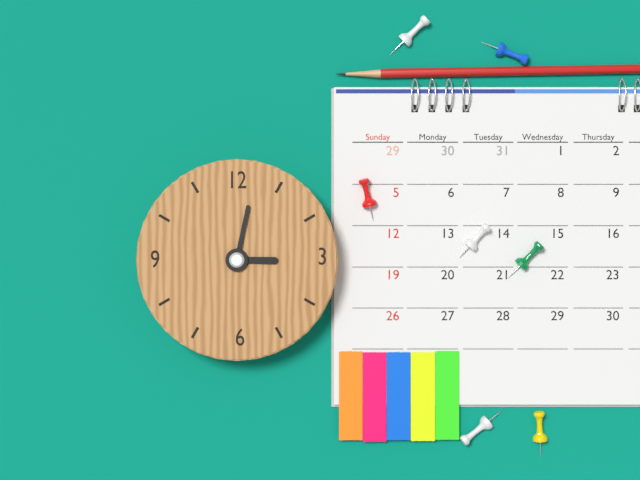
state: 3:02
